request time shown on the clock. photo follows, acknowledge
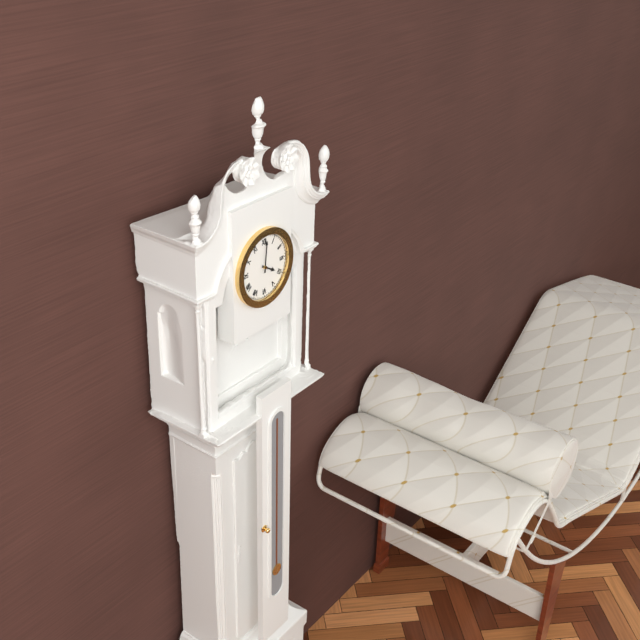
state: 4:01
